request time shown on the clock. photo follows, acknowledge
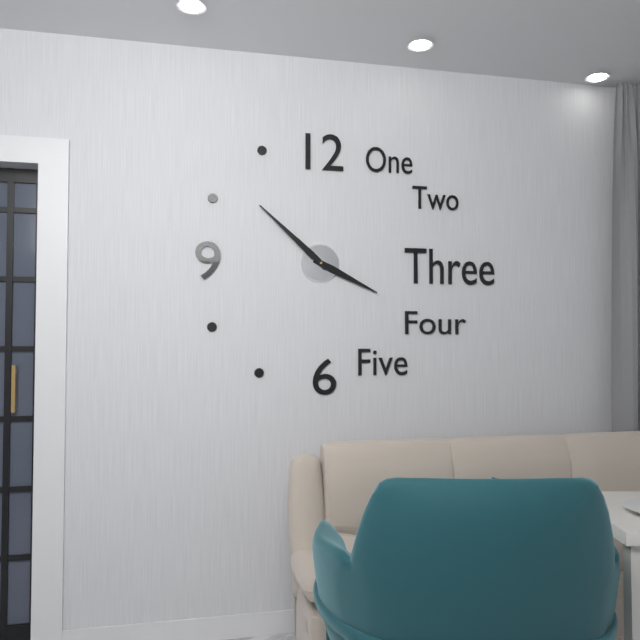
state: 3:52
